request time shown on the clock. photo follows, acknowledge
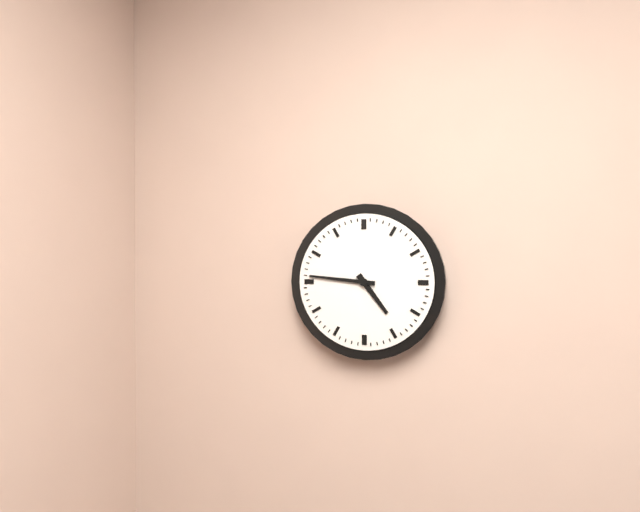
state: 4:46
